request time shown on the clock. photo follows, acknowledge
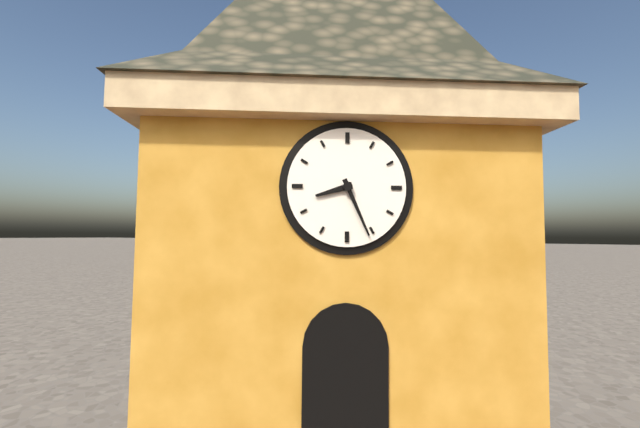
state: 8:26
